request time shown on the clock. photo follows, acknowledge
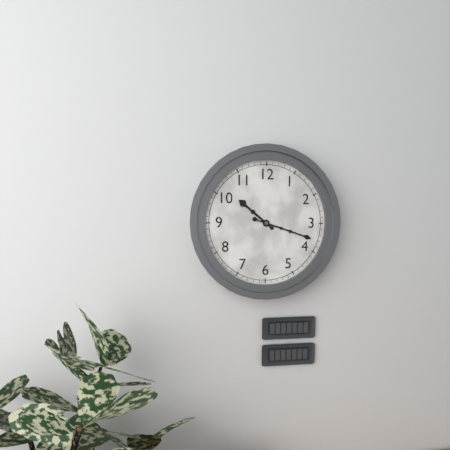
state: 10:18
